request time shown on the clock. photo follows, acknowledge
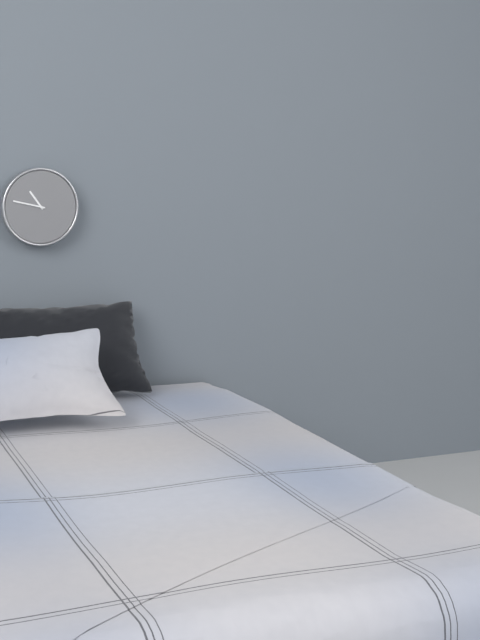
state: 10:47
